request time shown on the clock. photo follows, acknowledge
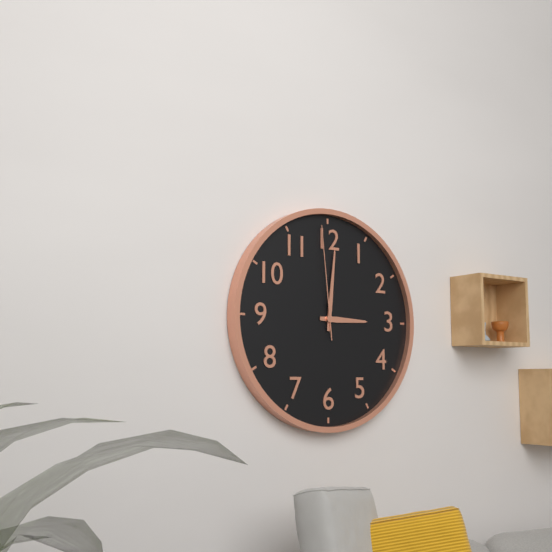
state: 3:01:59
